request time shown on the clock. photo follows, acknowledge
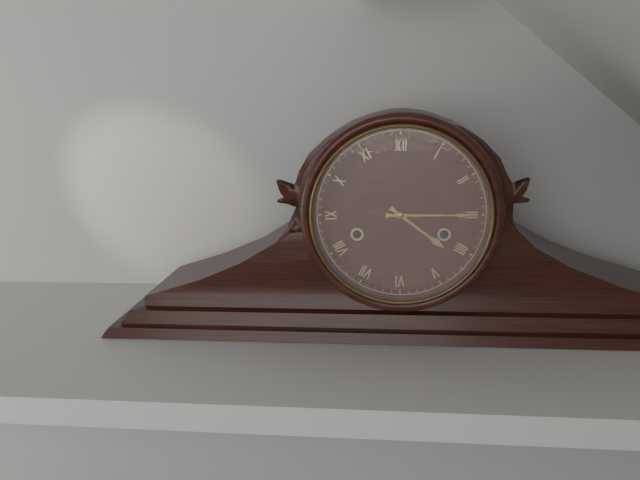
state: 4:15
